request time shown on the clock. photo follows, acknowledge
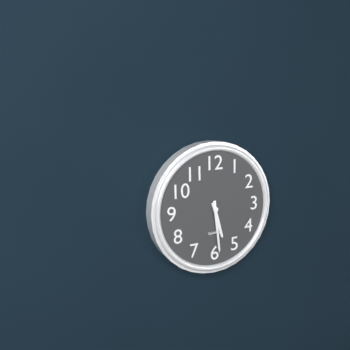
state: 5:29
